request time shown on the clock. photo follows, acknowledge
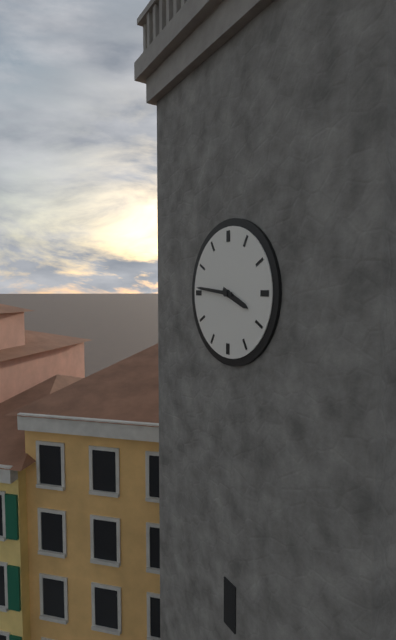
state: 3:46
